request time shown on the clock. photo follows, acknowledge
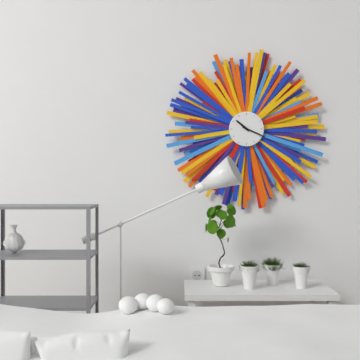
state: 10:19
